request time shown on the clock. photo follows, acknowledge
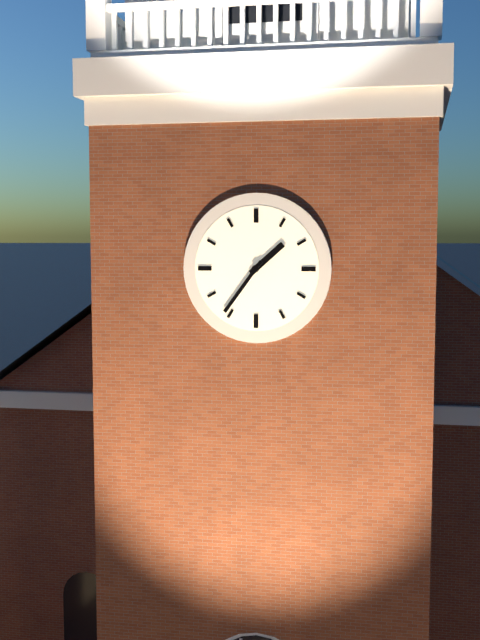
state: 1:36
